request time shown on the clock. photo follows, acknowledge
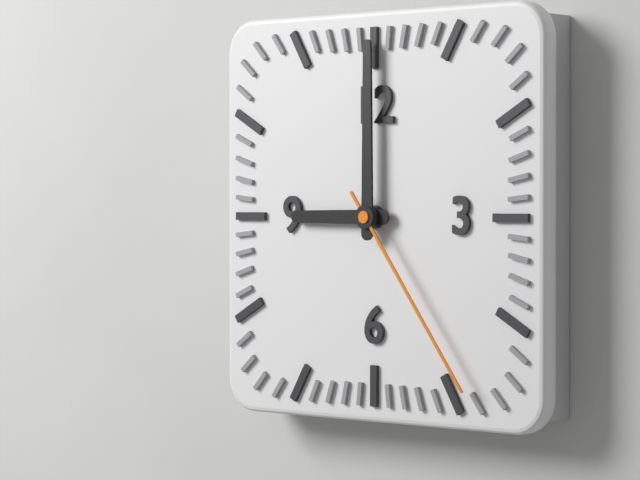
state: 9:00:24
